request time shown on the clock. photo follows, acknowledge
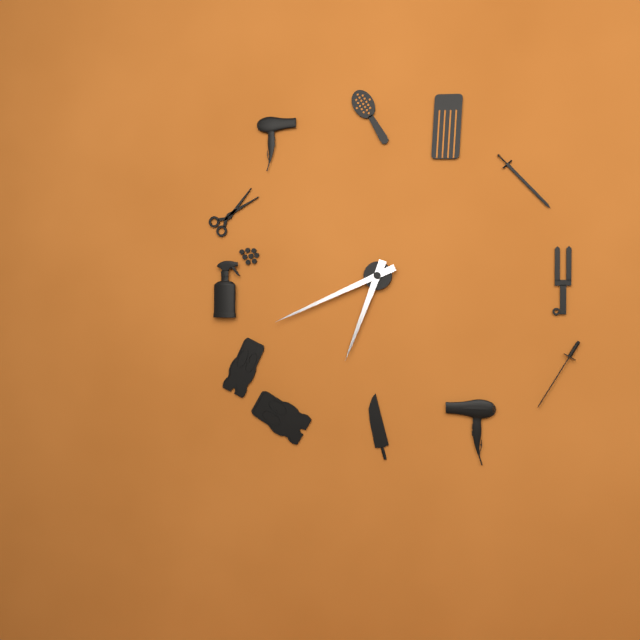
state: 6:41
